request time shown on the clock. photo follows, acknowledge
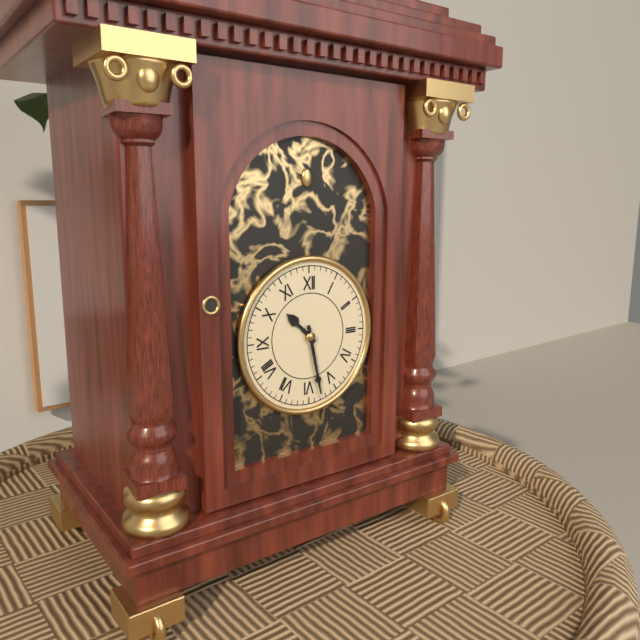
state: 10:28
